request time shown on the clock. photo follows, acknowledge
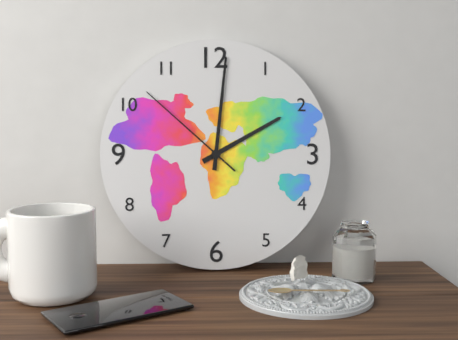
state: 2:01:52
